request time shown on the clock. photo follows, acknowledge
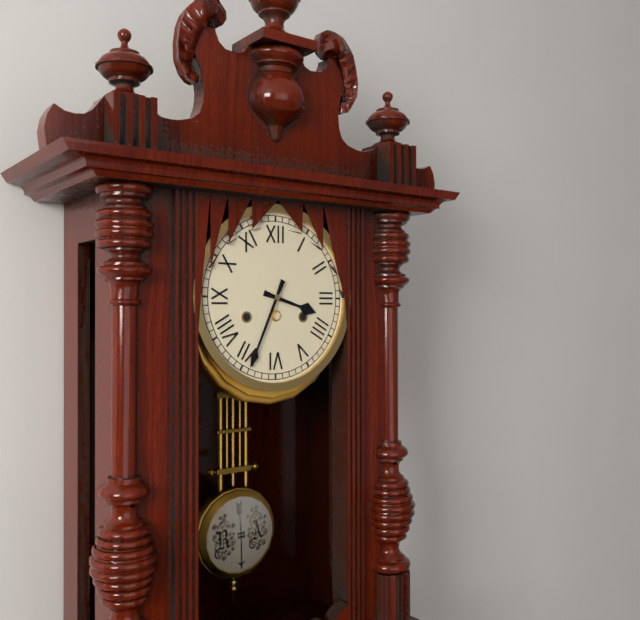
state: 3:34
